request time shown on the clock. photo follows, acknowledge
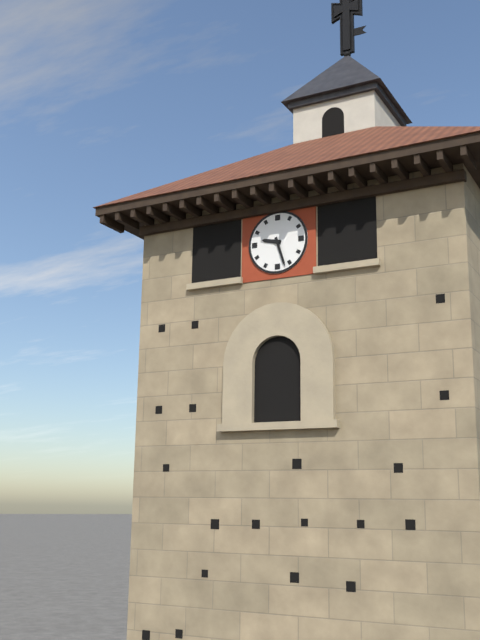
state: 9:27
